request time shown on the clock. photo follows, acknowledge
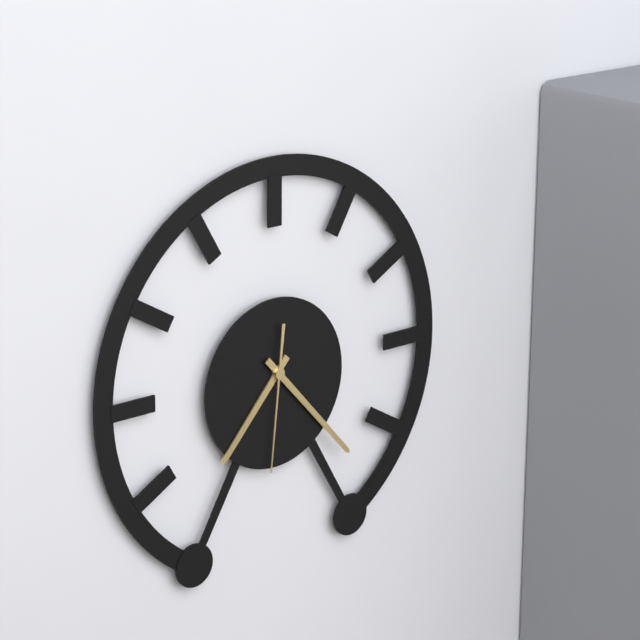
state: 7:23:31
